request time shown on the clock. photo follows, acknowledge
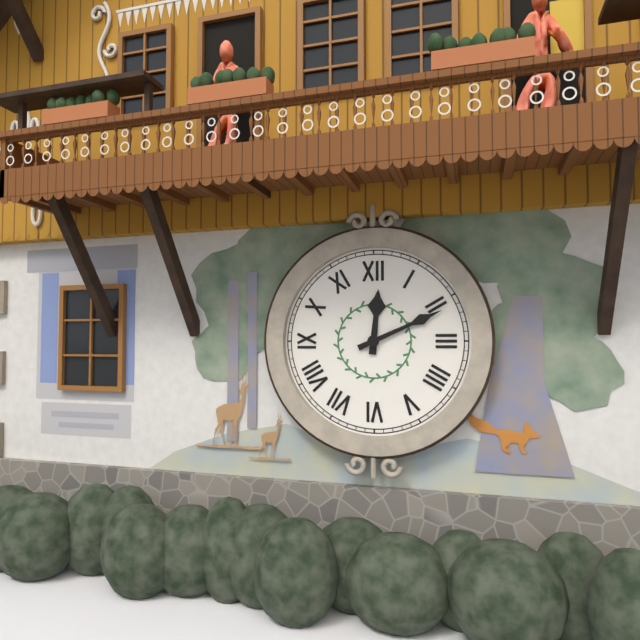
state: 12:11
